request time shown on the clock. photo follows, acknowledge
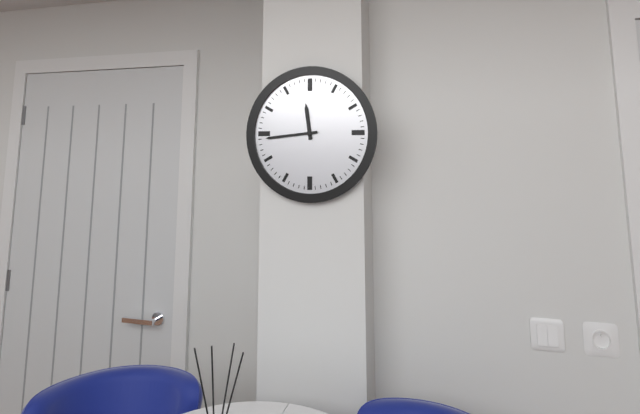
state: 11:44
